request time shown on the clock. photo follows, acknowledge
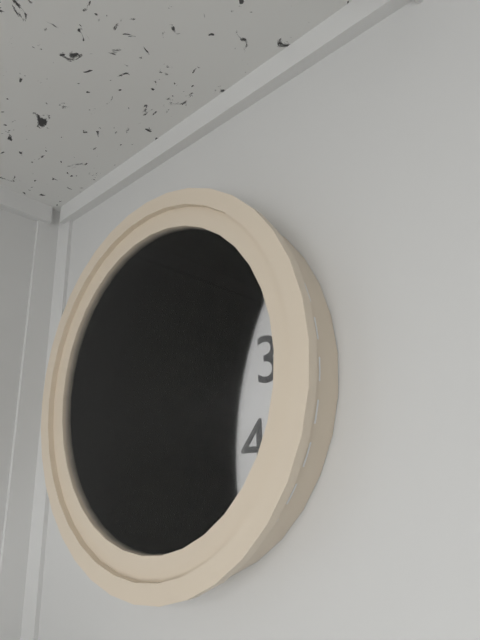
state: 8:41:25
